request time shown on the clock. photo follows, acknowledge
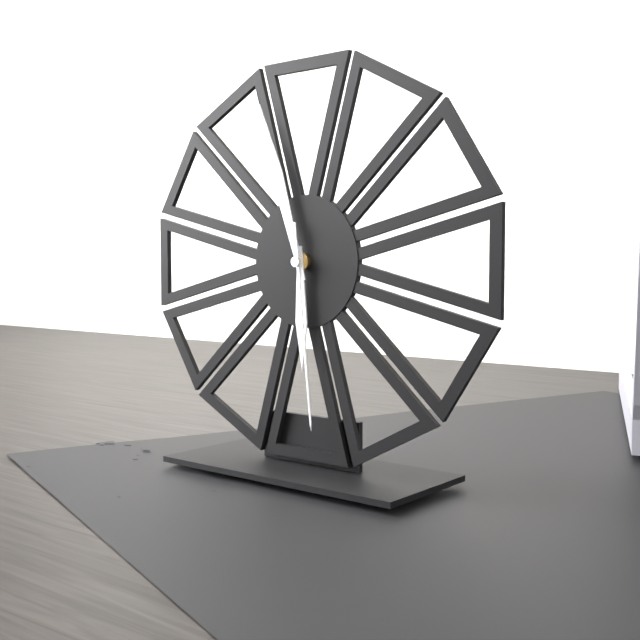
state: 5:57:29
